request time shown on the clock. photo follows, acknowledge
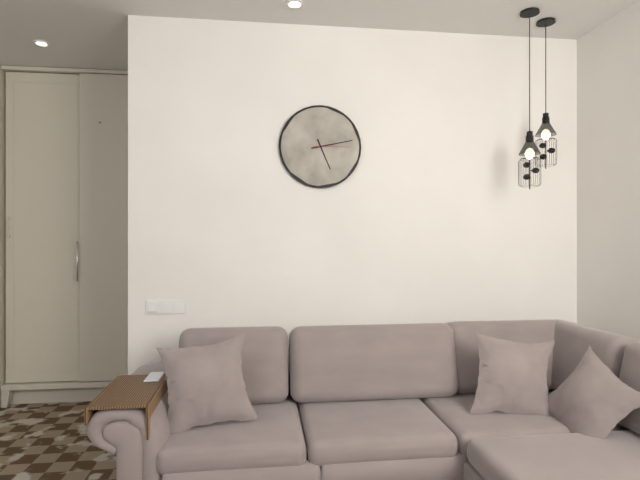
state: 5:13
